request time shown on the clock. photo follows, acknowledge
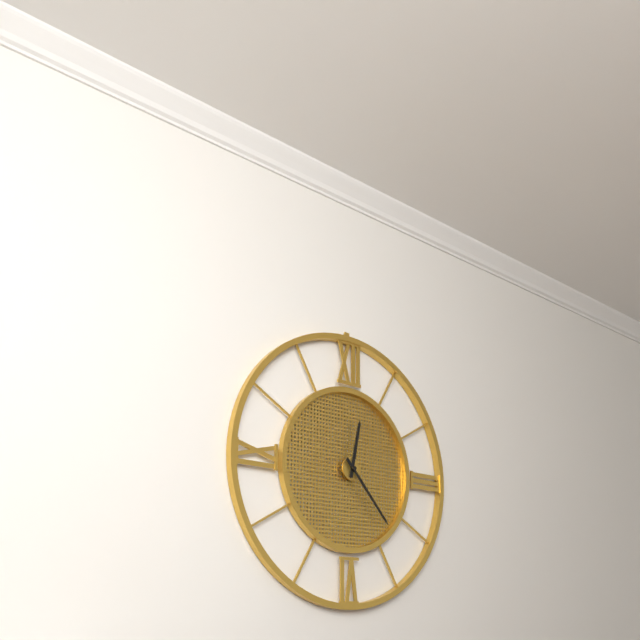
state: 12:23
